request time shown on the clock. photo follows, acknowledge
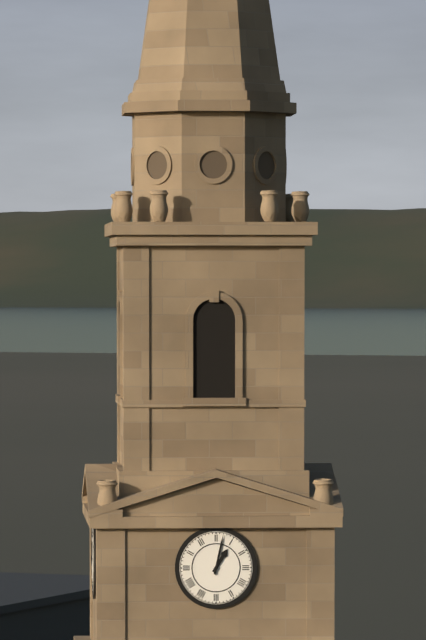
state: 1:02
